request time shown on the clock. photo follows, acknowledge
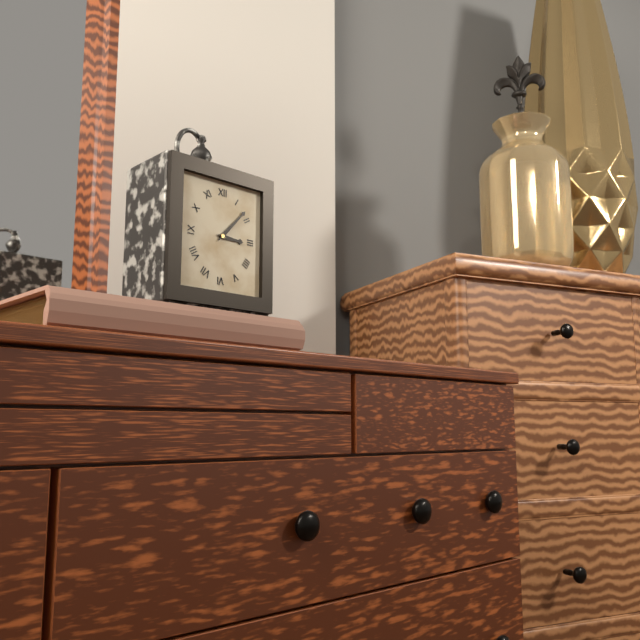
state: 3:07
